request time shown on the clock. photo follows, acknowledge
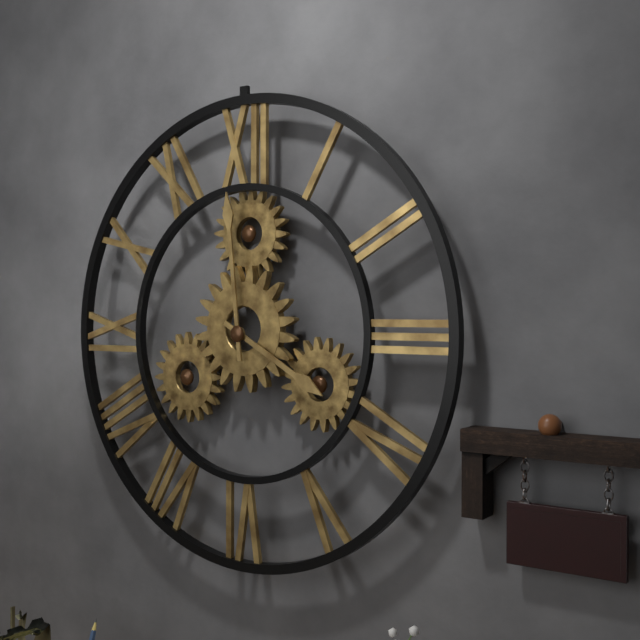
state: 3:59
